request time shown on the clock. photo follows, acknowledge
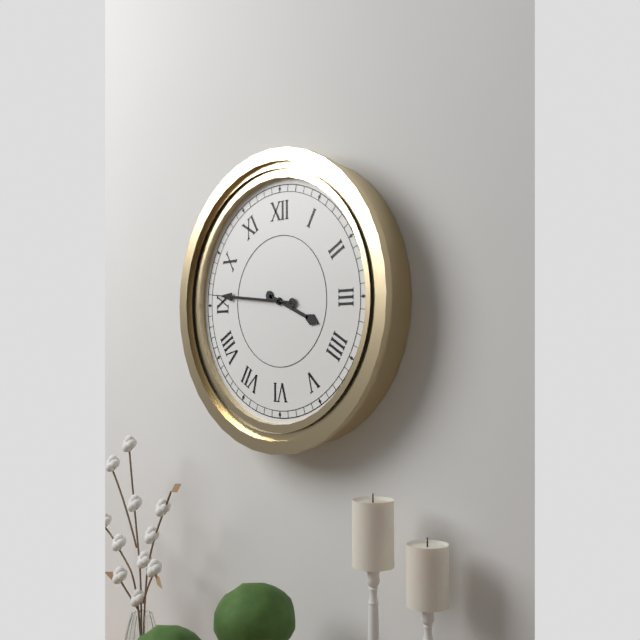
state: 3:46:46
